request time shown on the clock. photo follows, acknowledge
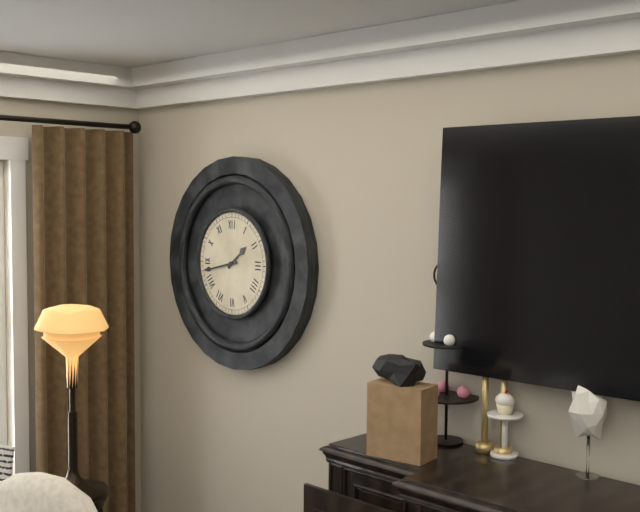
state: 1:43
